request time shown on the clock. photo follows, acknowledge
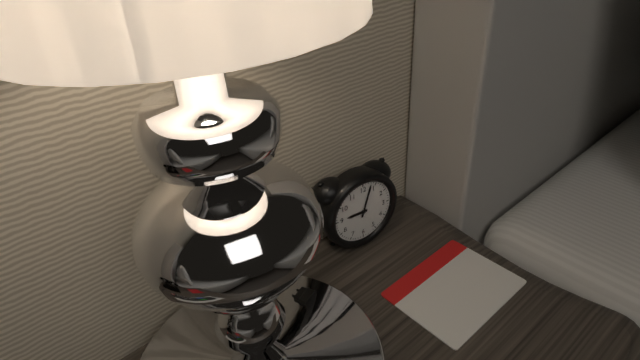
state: 9:03
